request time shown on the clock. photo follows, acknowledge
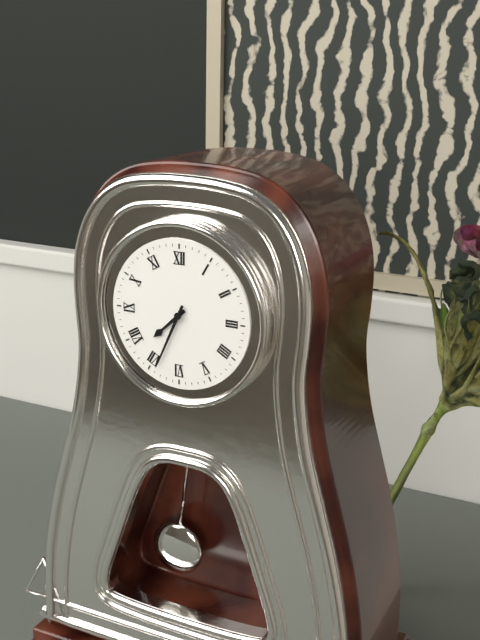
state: 7:34
